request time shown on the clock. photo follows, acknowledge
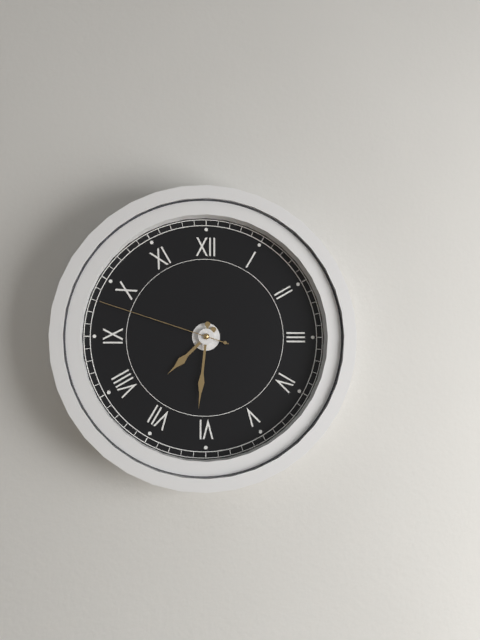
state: 7:31:48
